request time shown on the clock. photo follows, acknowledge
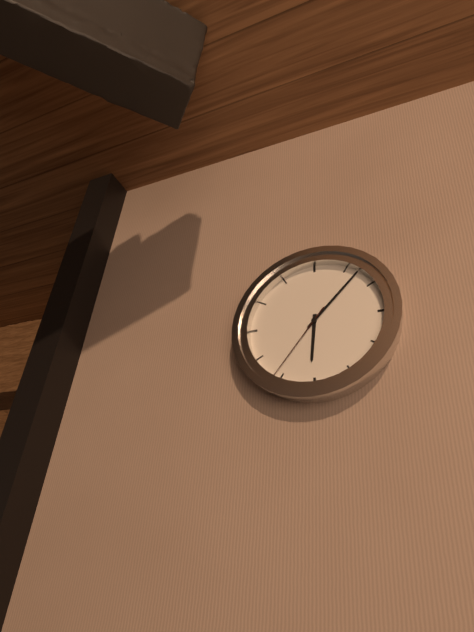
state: 6:07:36
